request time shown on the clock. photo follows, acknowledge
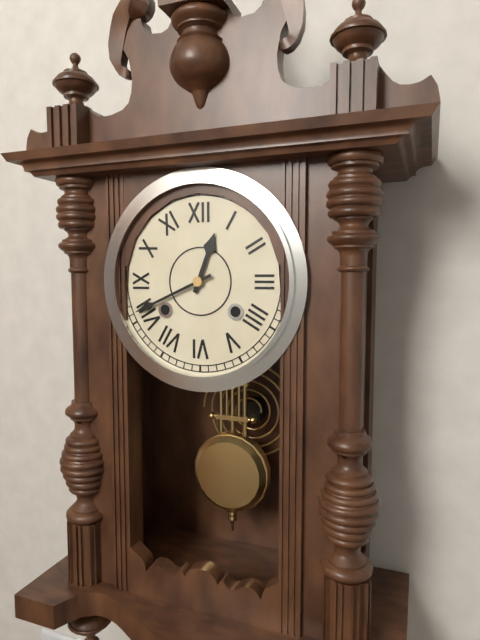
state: 12:41
